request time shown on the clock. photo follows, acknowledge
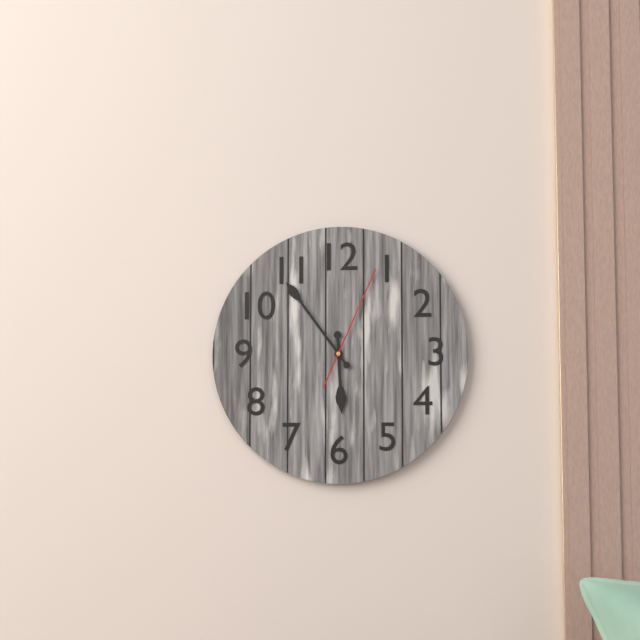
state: 5:54:04
